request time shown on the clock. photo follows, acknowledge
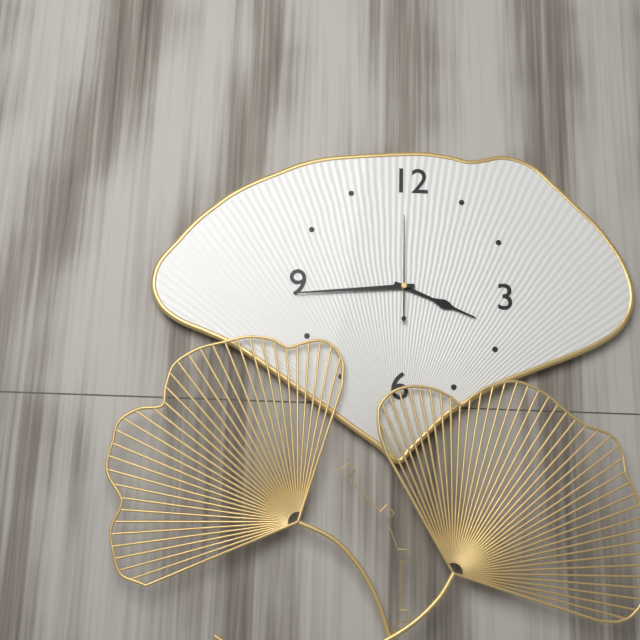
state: 3:44:00
